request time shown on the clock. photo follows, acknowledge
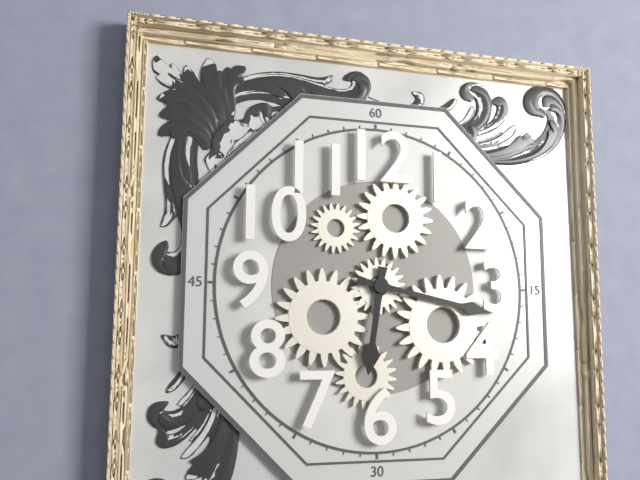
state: 6:17
